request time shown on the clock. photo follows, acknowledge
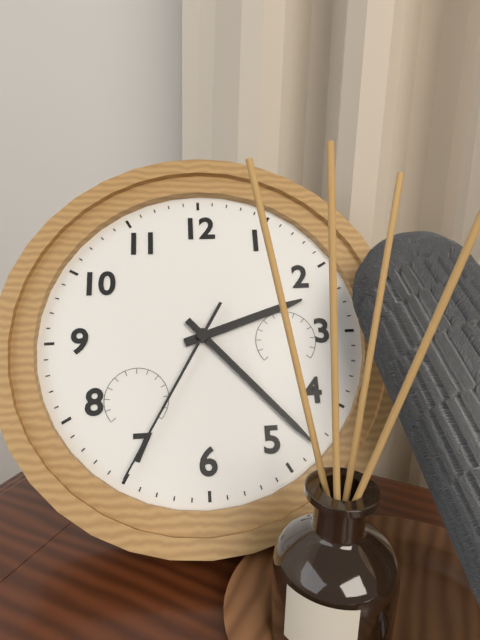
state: 2:23:35
